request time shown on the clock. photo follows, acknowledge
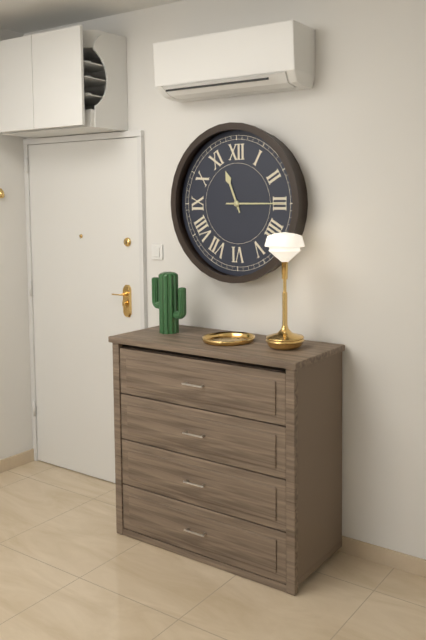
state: 11:15
